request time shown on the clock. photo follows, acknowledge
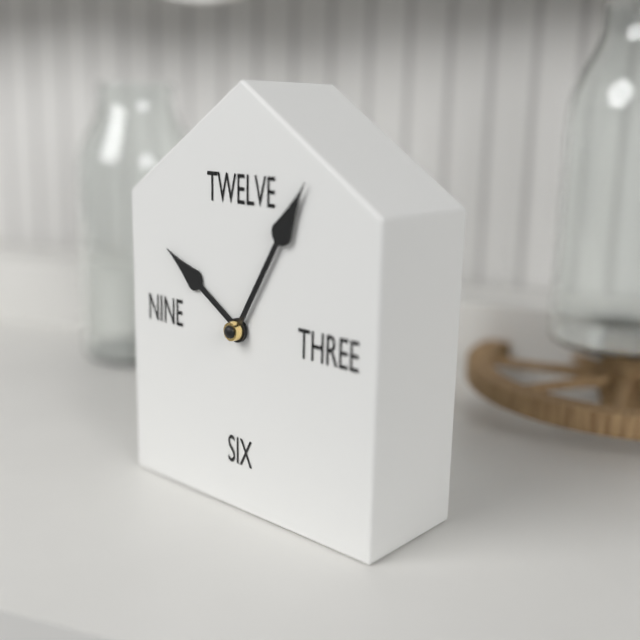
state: 10:05
